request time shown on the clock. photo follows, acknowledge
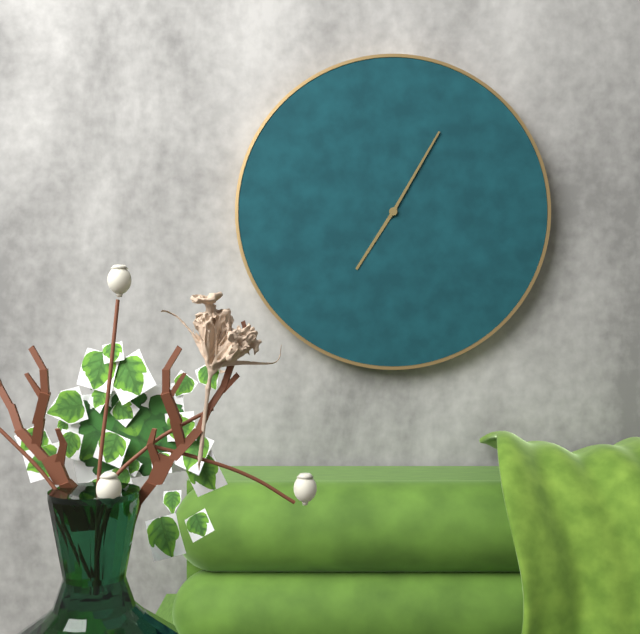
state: 7:05
